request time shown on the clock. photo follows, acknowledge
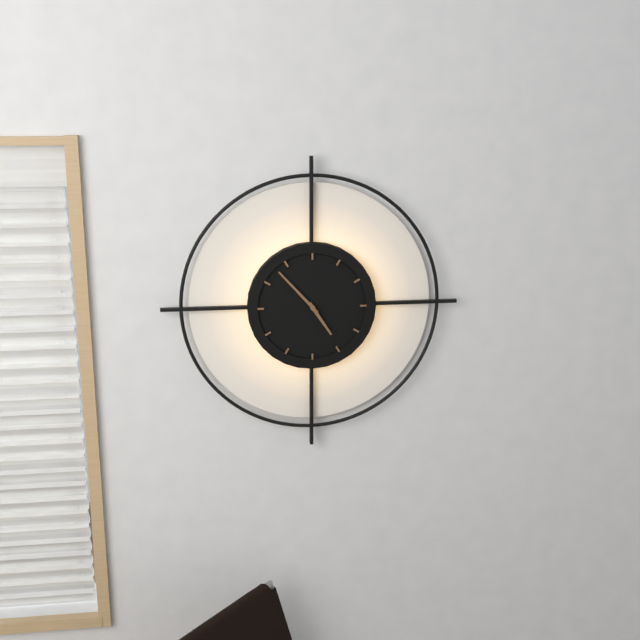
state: 4:53
